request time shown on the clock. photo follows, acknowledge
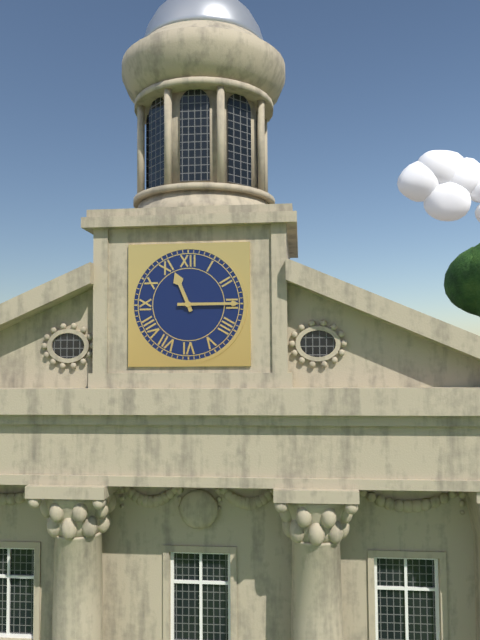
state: 11:15
